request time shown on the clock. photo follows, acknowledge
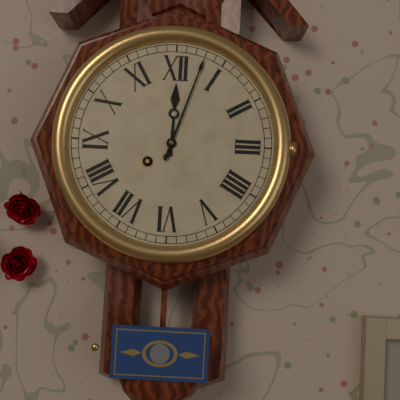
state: 12:03
